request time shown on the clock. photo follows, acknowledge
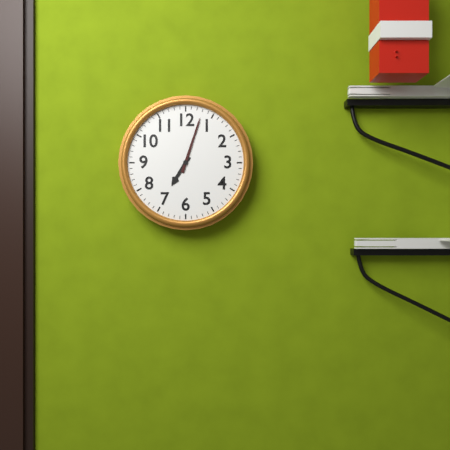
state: 7:03
